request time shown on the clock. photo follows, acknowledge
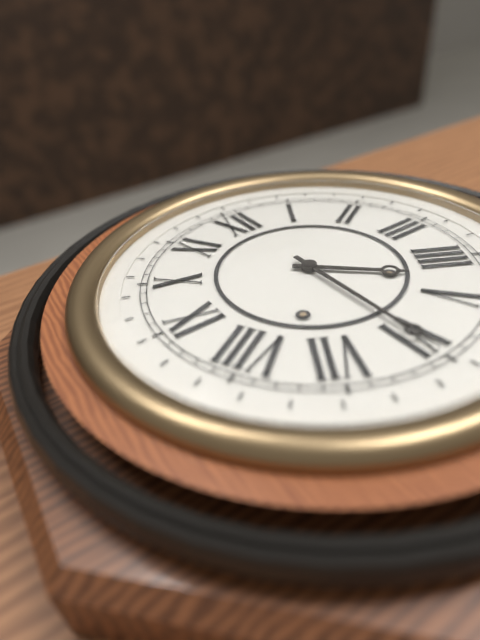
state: 4:30
